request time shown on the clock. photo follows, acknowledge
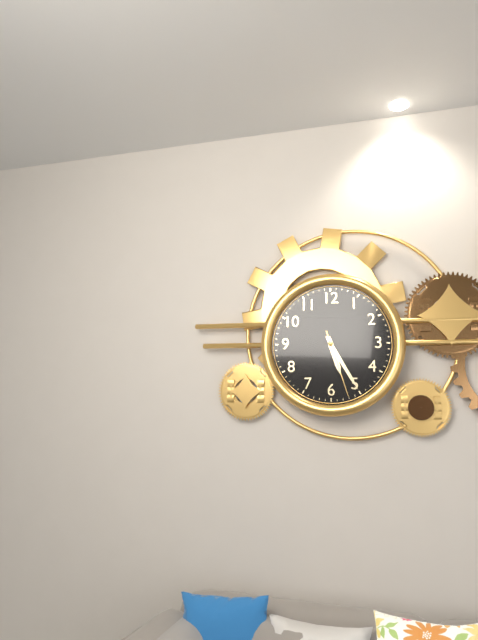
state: 5:25:27
